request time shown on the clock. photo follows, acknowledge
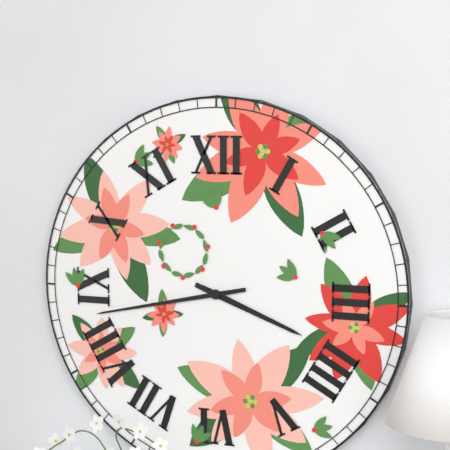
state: 3:43
